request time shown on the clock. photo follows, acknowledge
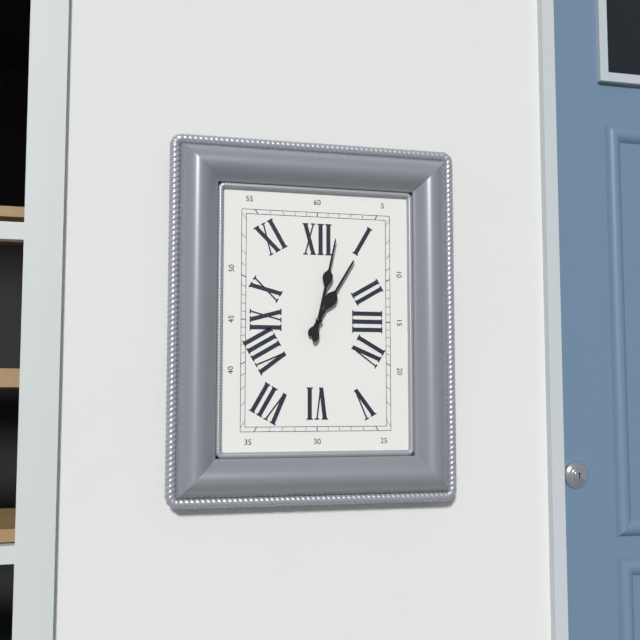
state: 1:02
